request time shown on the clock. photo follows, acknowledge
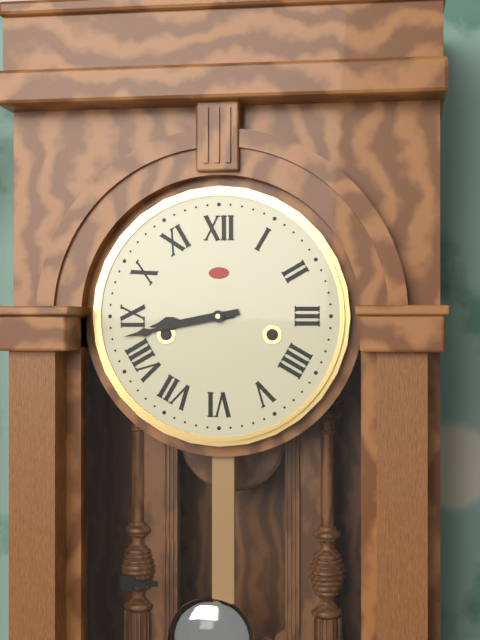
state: 8:43
